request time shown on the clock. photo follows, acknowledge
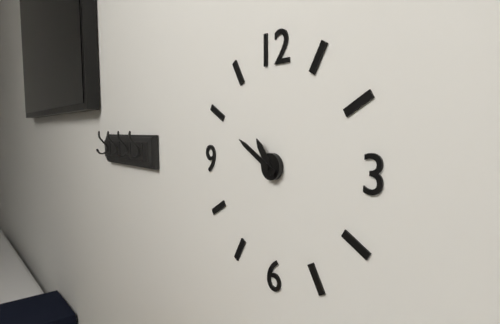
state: 10:50
